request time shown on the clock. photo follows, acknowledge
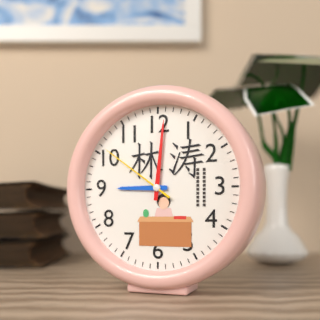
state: 9:01:51
